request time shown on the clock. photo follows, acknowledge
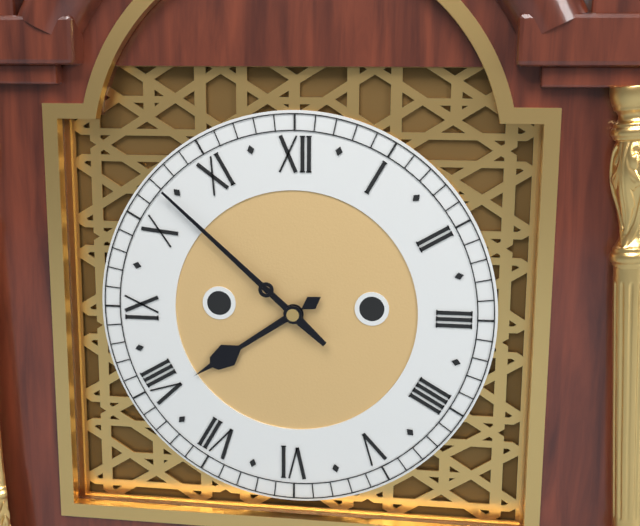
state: 7:52
